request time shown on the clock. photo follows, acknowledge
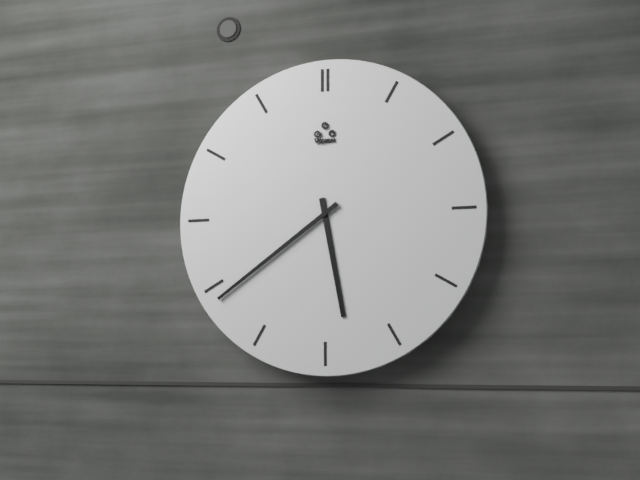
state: 5:39
